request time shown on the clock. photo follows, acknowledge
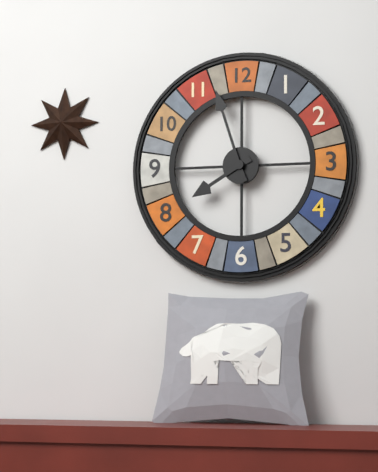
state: 7:57
